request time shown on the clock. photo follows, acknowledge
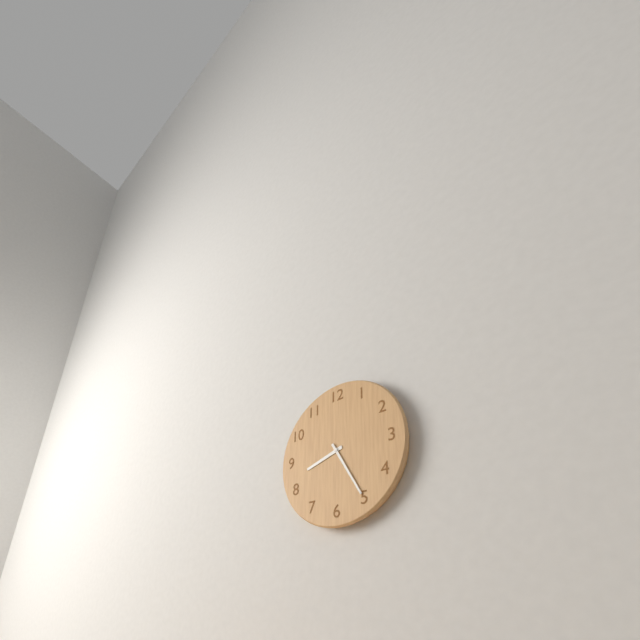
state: 8:25
